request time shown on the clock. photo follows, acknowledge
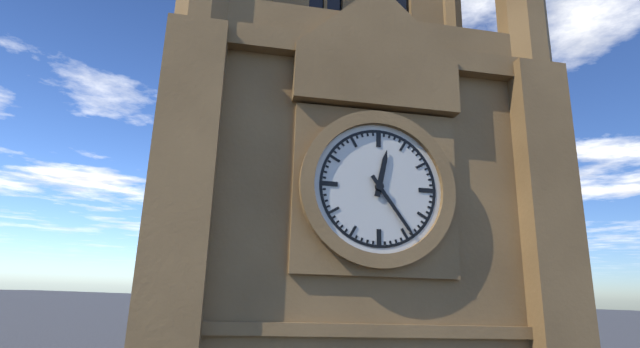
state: 12:24
